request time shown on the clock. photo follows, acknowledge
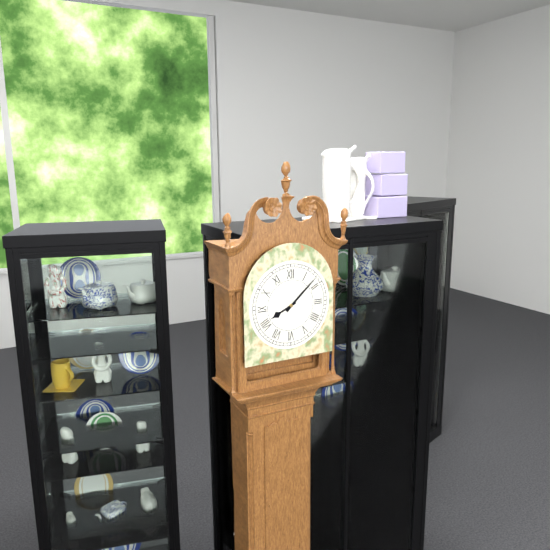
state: 8:08
